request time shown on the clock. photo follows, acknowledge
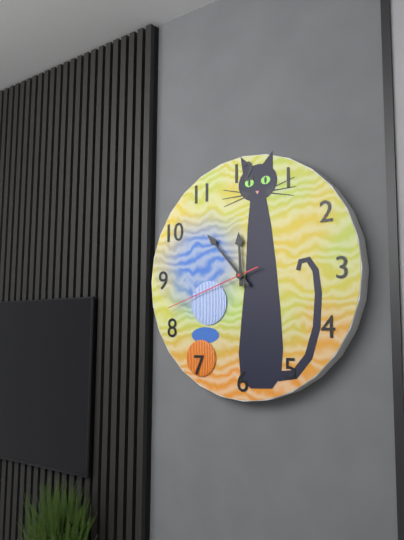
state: 11:53:42
